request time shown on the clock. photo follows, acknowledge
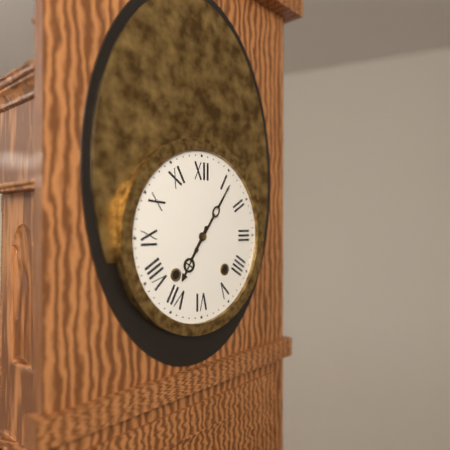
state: 7:06
